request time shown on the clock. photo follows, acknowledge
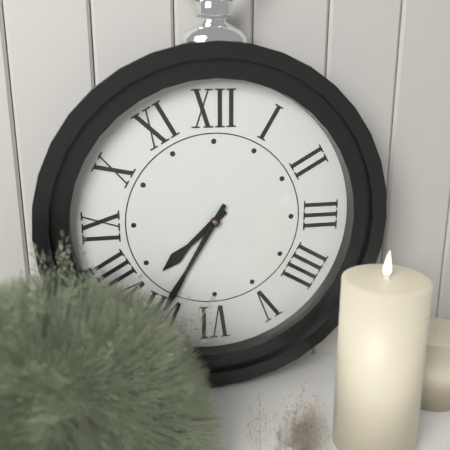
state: 7:35
